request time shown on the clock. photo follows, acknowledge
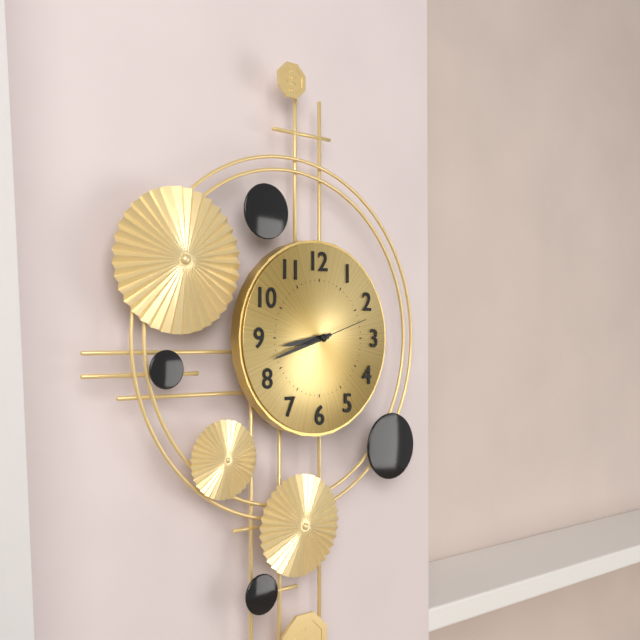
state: 8:42:12
